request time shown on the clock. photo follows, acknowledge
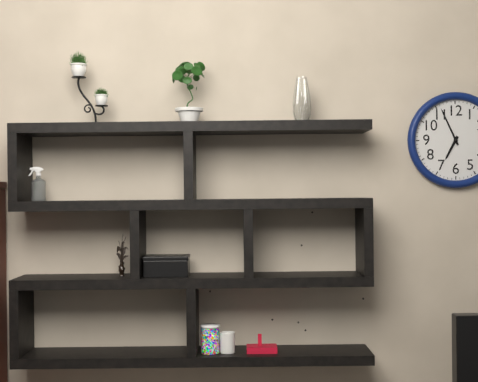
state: 6:56
